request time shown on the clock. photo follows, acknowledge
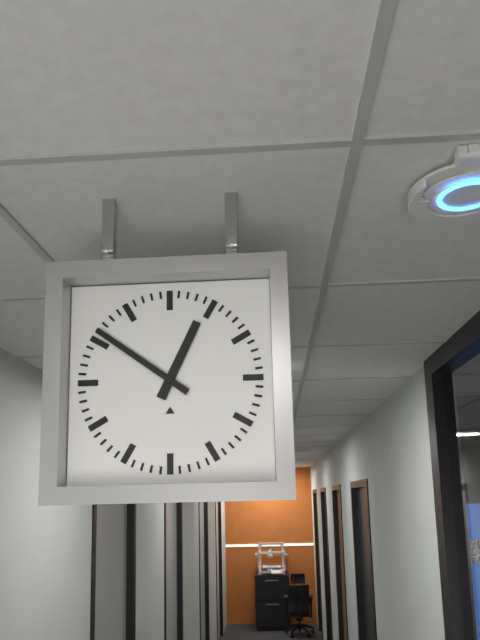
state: 12:51
